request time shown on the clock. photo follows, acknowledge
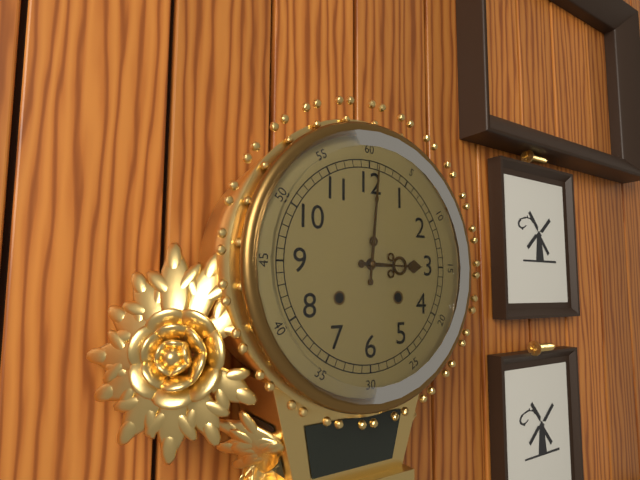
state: 3:01
